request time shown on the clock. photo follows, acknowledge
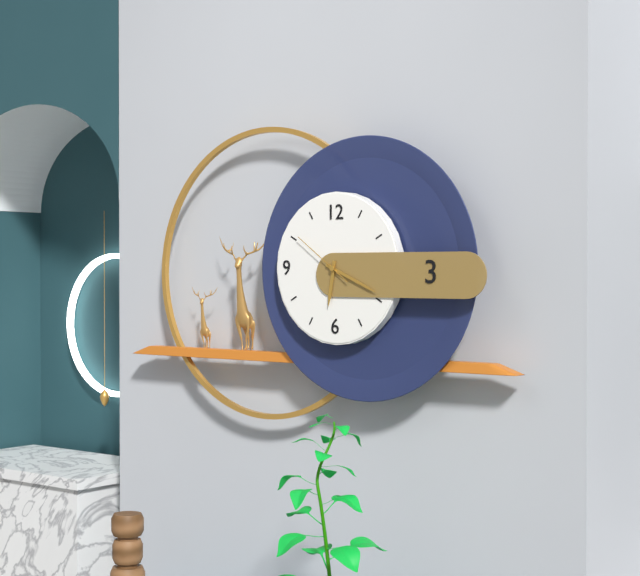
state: 6:19:51
